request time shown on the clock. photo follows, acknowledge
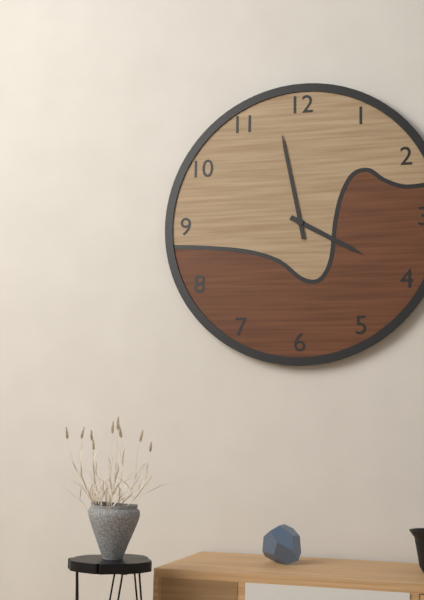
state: 3:58
